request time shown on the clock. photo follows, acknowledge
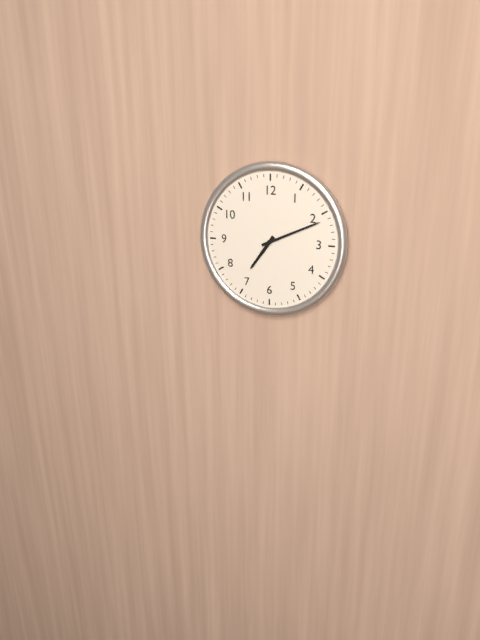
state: 7:11
